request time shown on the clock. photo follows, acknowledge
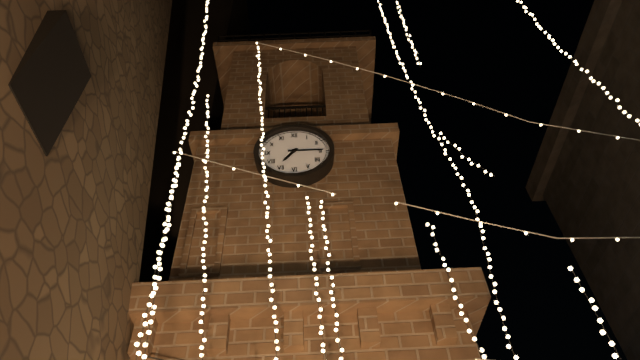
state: 7:15
